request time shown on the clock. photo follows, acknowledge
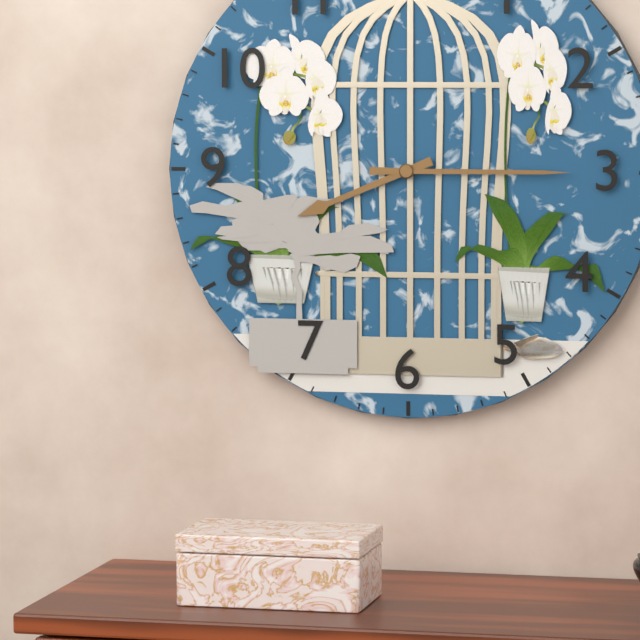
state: 8:15
